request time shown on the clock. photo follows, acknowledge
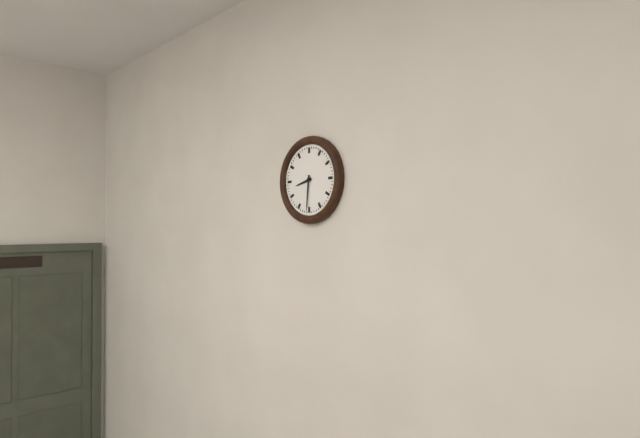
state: 8:31
